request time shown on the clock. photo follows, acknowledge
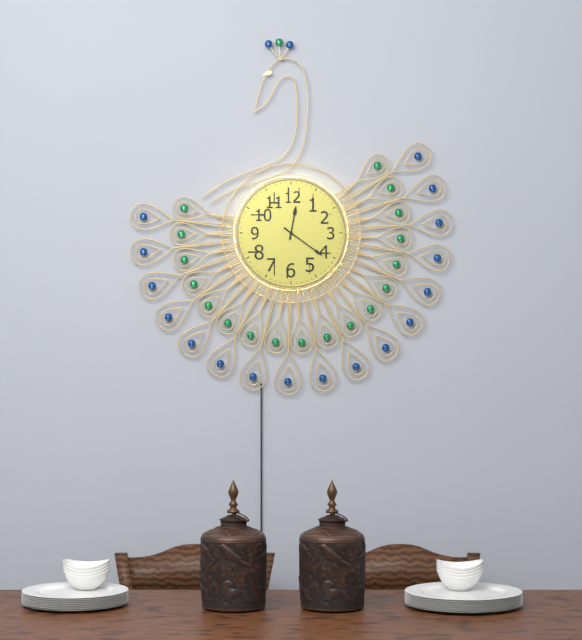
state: 12:21
